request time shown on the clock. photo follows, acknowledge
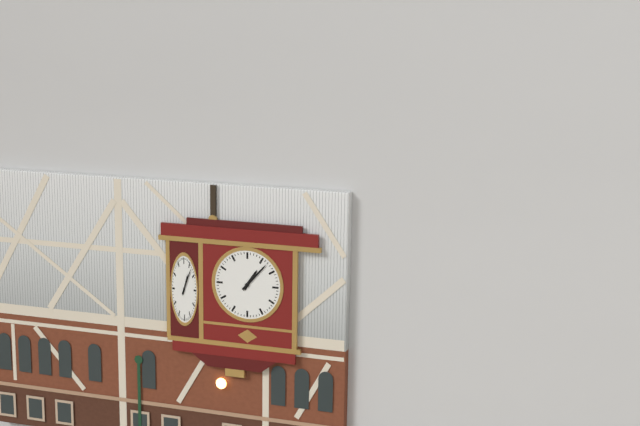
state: 1:07
